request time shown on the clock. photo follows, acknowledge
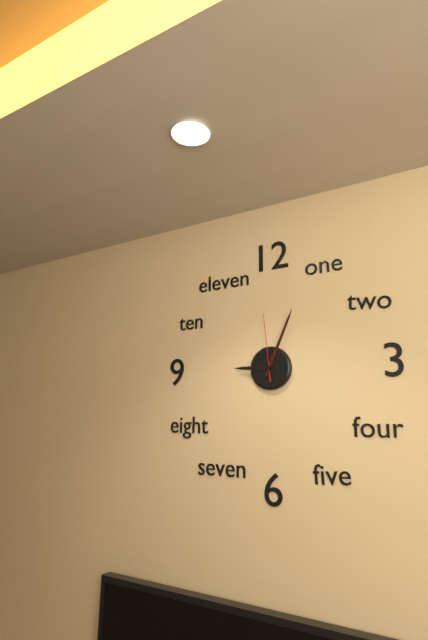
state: 9:04:59
